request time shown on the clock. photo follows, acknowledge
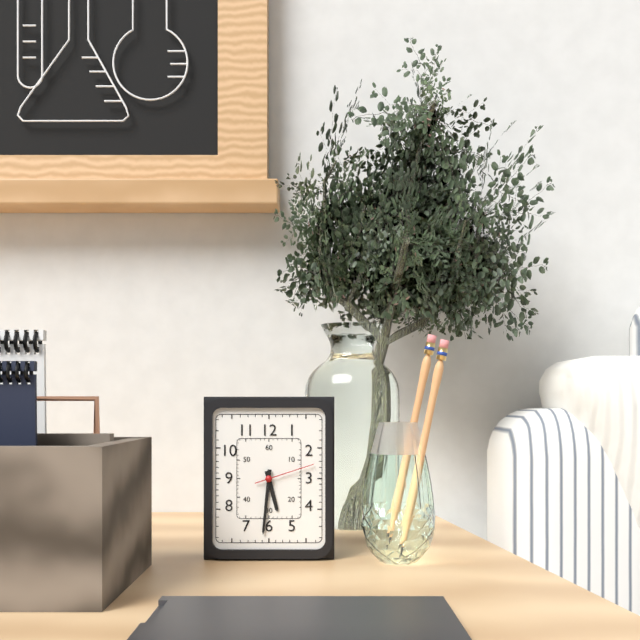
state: 5:31:12
